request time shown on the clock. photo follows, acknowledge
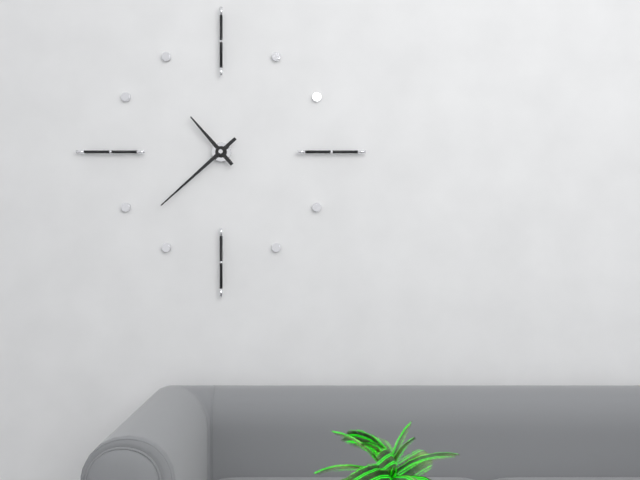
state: 10:38
